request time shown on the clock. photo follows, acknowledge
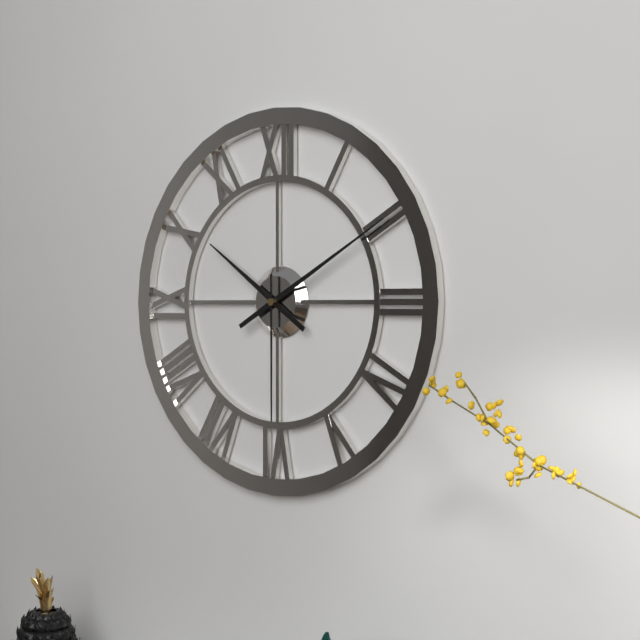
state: 10:10:30
